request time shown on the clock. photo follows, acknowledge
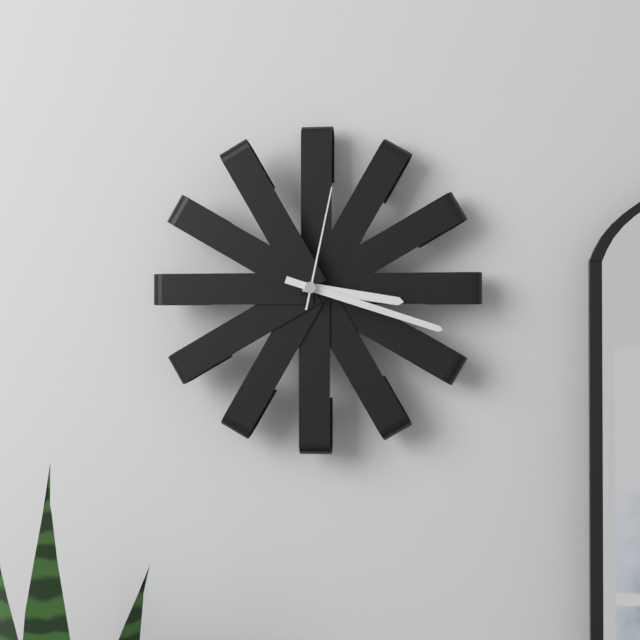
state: 3:18:02
